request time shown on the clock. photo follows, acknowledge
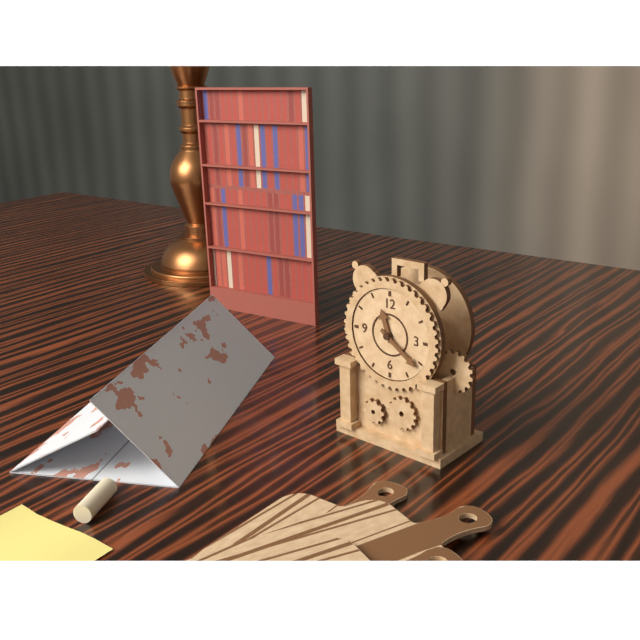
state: 11:21
